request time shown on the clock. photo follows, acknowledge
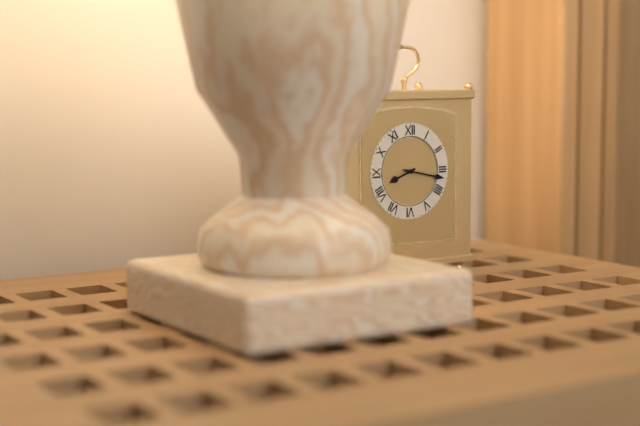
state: 8:17
